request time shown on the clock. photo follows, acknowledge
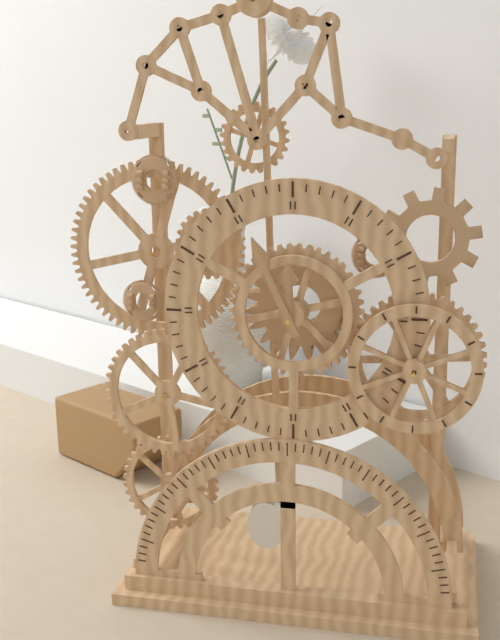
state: 11:56
